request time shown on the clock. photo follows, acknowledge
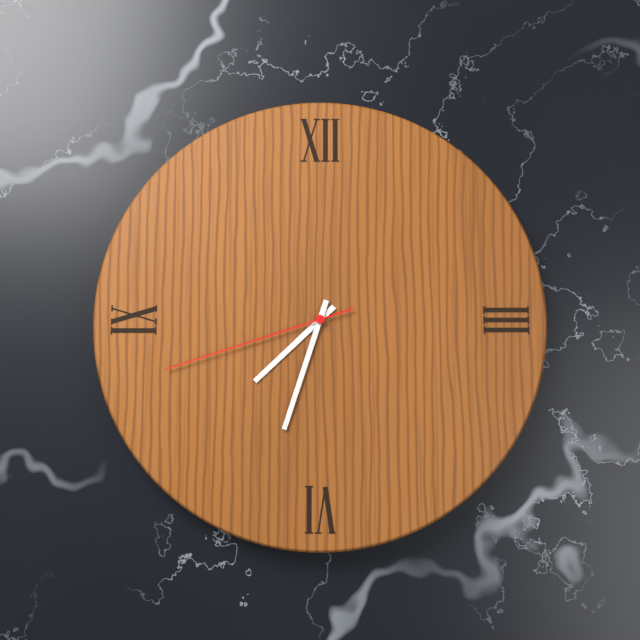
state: 7:33:42
